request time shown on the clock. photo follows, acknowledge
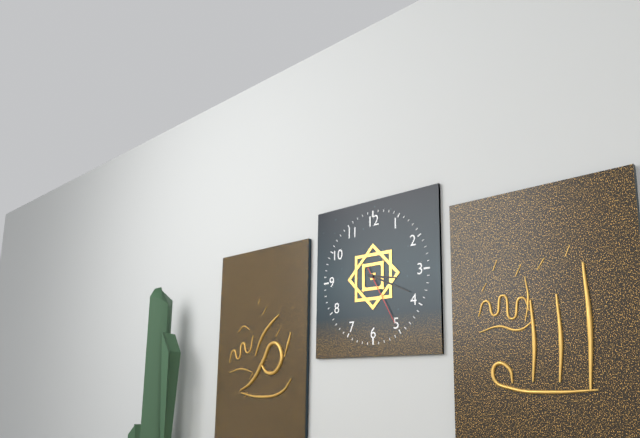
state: 3:19:25
